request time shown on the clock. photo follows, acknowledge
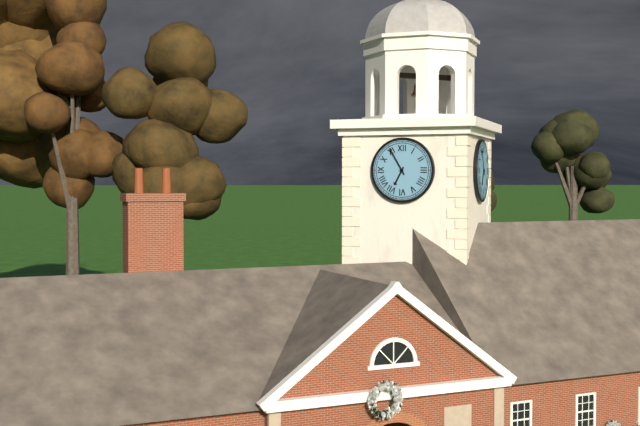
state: 6:55
